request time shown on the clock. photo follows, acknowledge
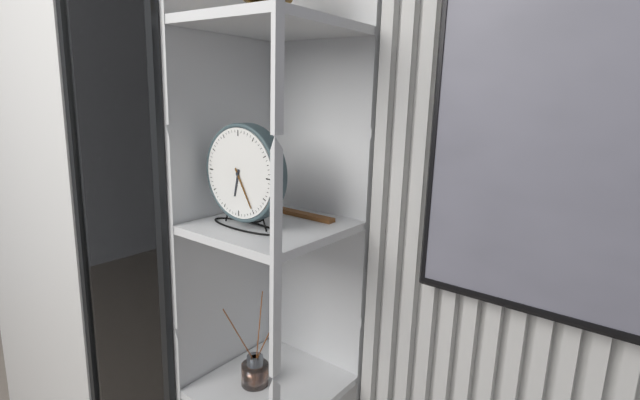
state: 6:25
